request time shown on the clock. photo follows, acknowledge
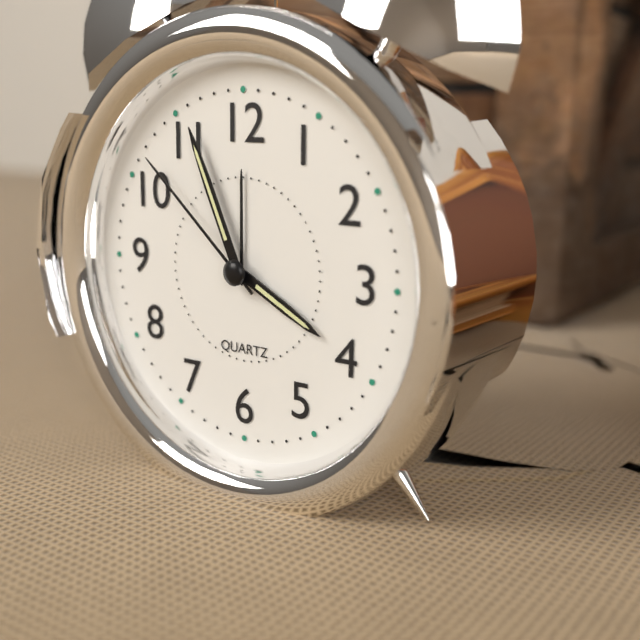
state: 3:56:52
